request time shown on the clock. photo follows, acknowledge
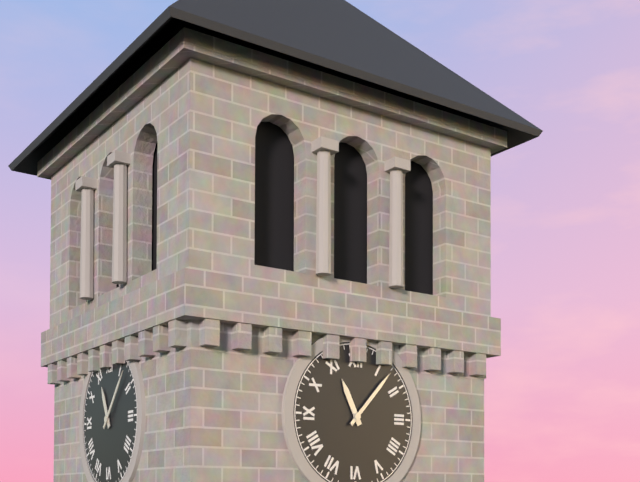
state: 11:07
